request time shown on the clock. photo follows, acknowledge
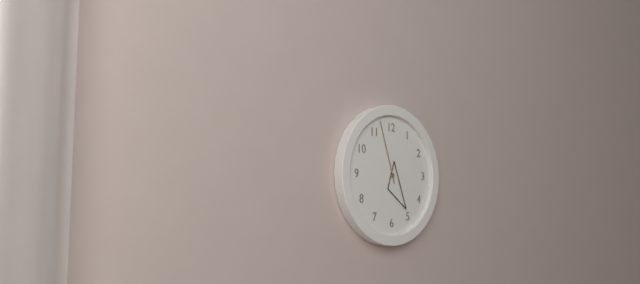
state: 4:57
